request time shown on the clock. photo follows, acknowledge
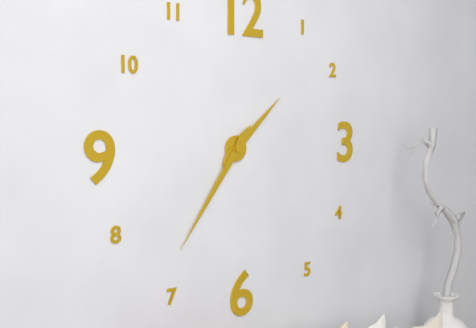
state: 1:36
